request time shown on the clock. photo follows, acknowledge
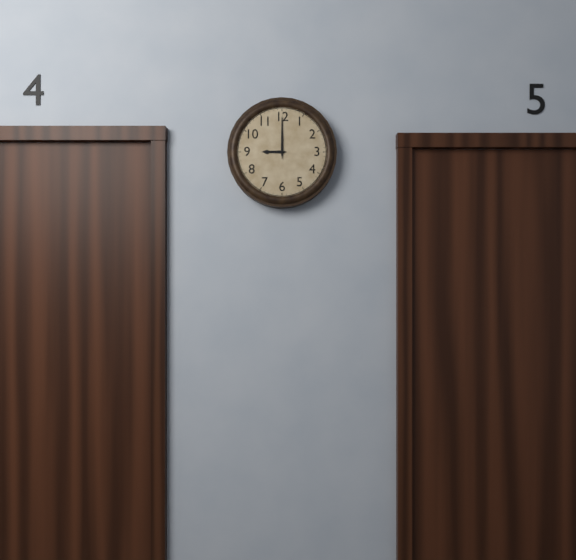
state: 9:00
